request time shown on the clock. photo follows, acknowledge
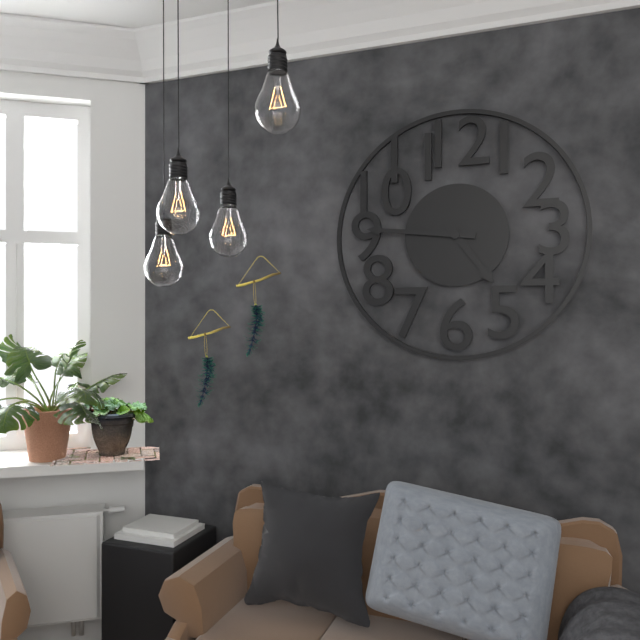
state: 4:46
